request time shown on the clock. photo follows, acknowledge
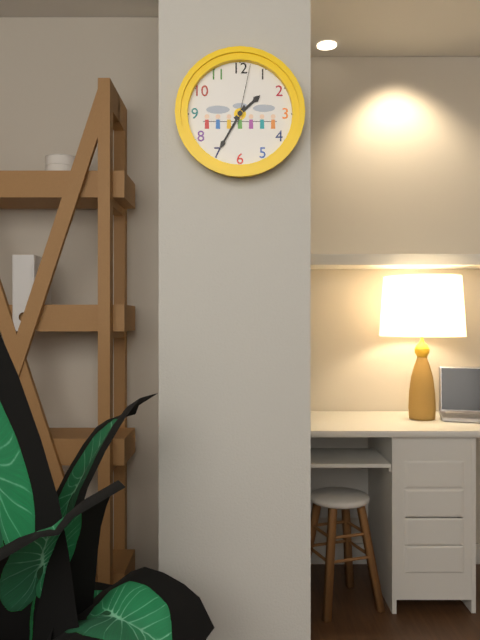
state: 1:35:02
